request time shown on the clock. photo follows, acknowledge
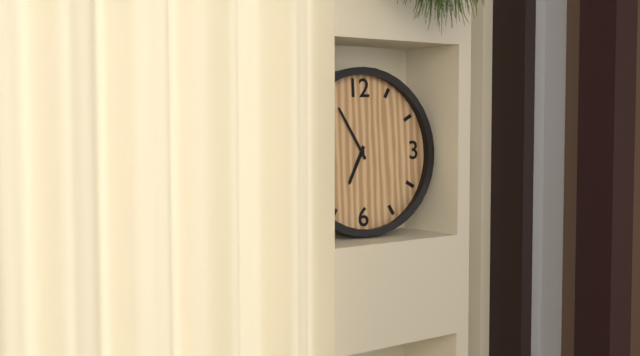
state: 6:55
